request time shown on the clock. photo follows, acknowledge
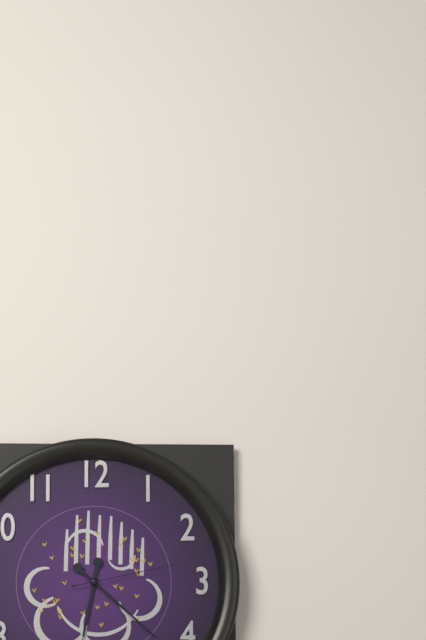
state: 6:22:13
